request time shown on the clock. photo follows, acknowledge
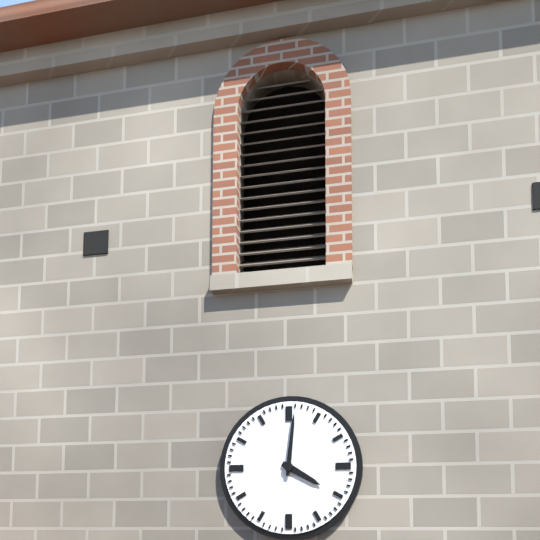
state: 4:01
